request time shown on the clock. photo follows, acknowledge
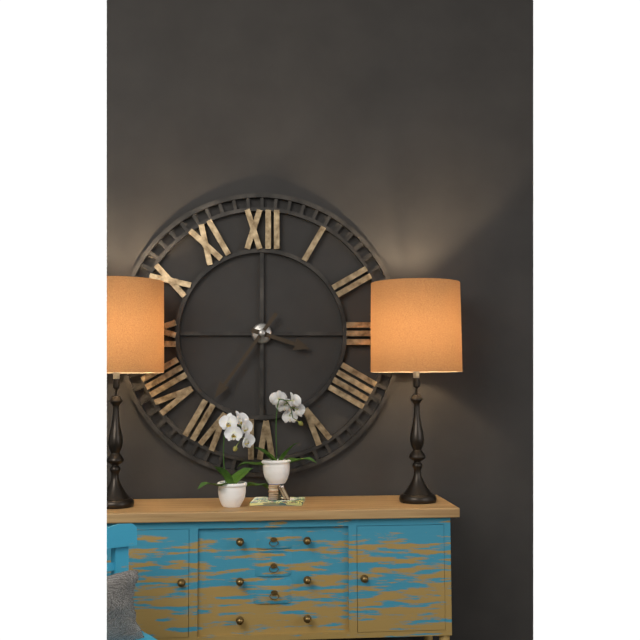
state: 3:36
